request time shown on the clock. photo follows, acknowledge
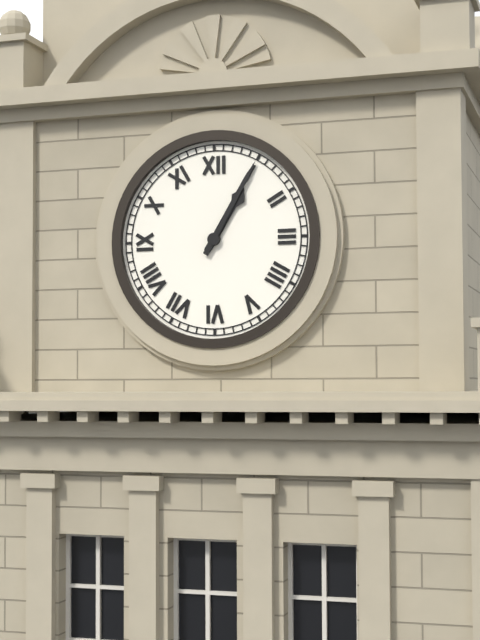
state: 1:05
